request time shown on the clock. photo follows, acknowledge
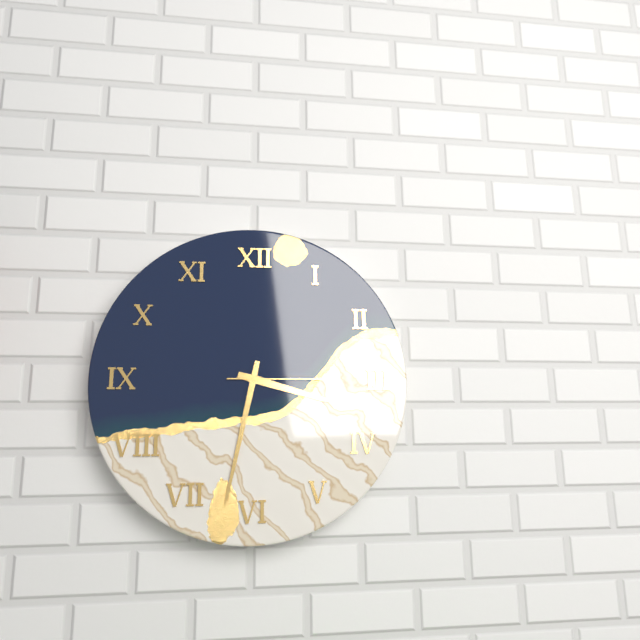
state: 3:32:15
